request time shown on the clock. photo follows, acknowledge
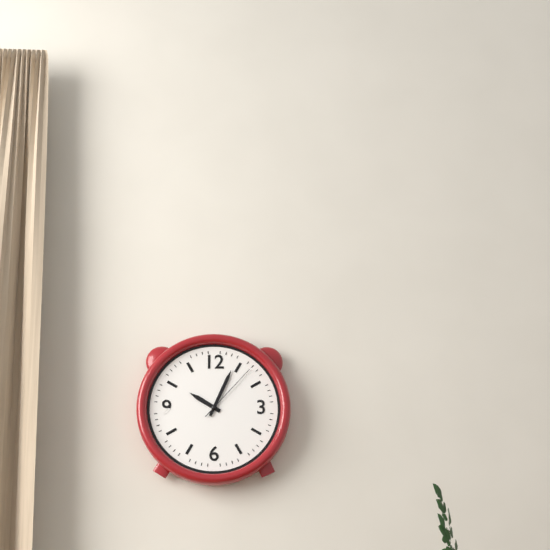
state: 10:04:07
